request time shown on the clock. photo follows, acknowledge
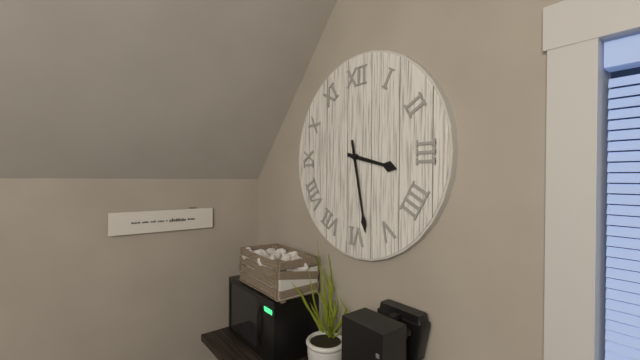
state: 3:28
